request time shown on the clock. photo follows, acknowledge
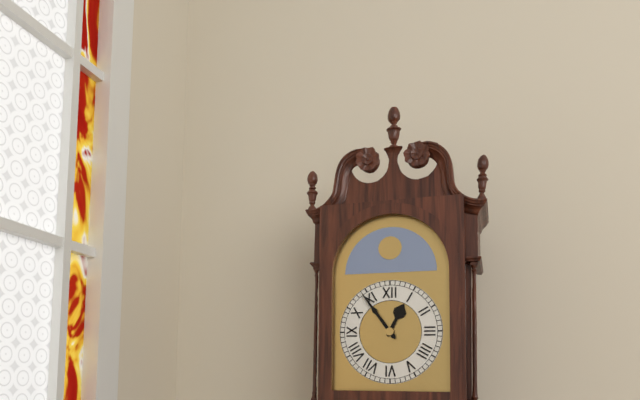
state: 12:54
